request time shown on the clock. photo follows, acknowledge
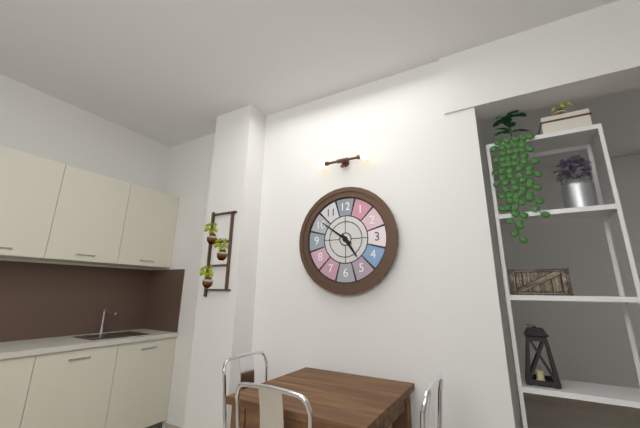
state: 4:51
